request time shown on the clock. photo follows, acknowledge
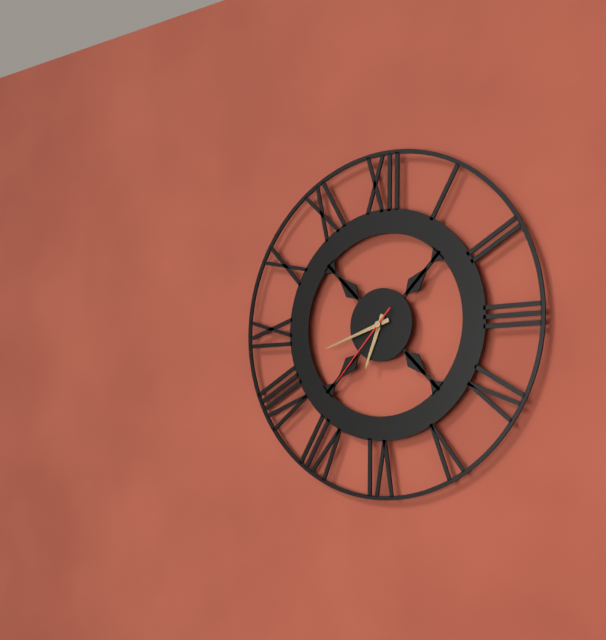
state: 6:42:37
